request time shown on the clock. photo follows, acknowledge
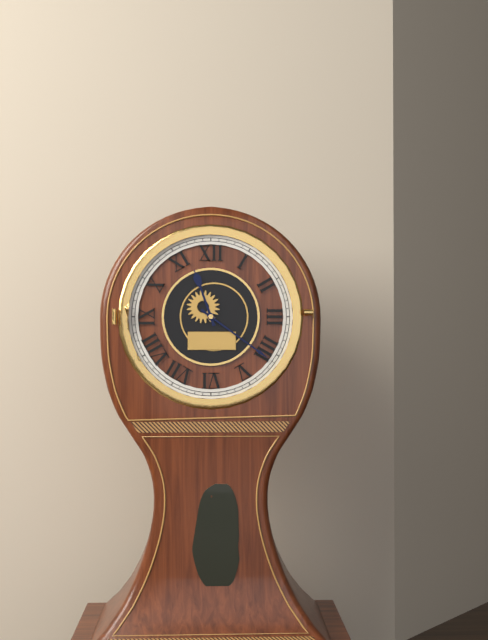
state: 11:21
